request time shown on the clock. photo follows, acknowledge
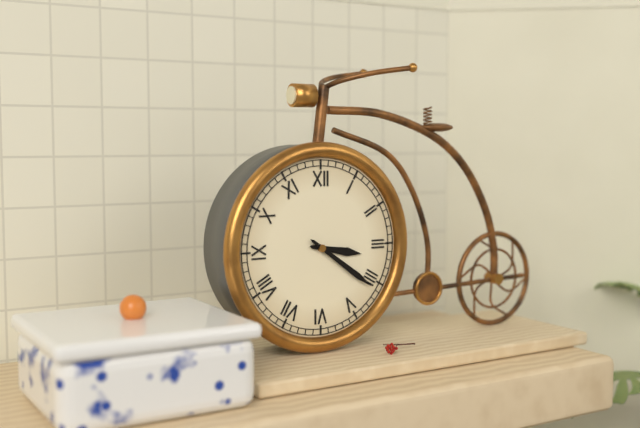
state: 3:21
